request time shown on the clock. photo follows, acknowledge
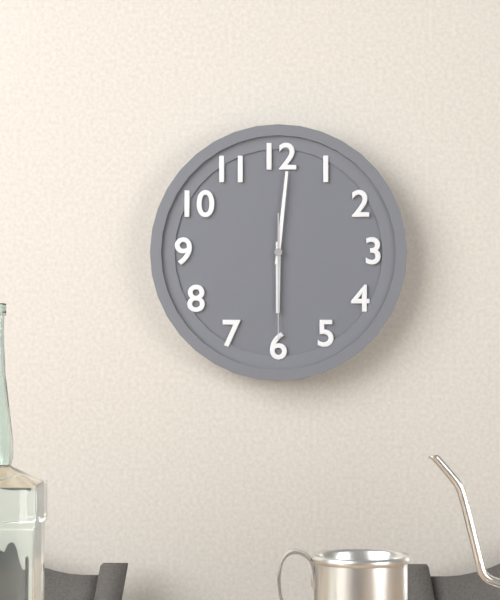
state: 6:01:30
